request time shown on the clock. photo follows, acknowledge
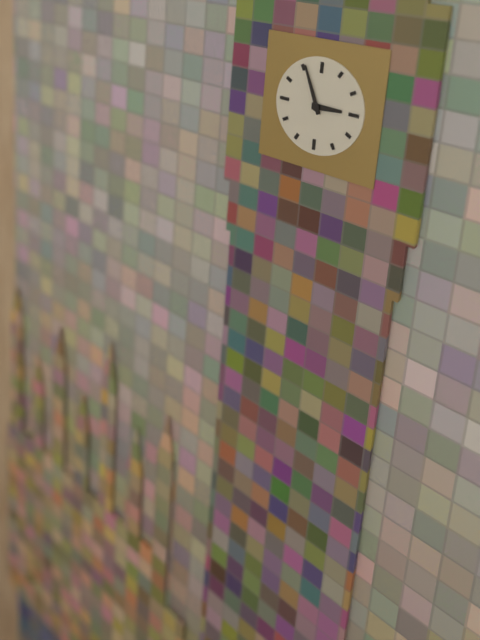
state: 2:56
